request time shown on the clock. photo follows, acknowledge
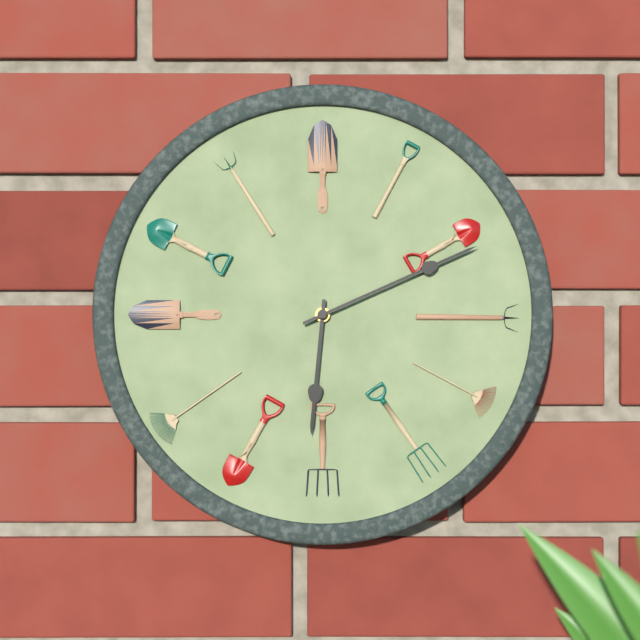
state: 6:11
